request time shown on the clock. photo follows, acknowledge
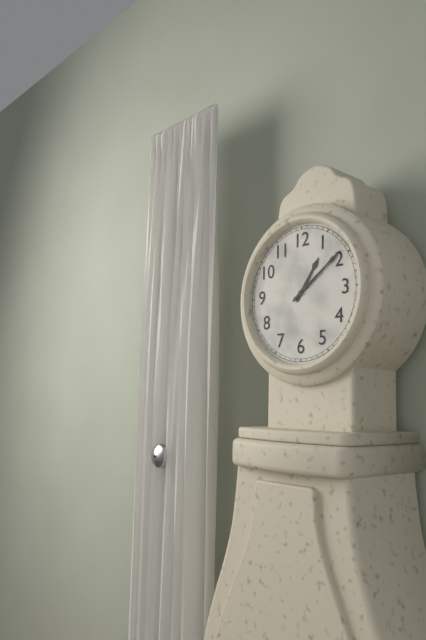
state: 1:09
